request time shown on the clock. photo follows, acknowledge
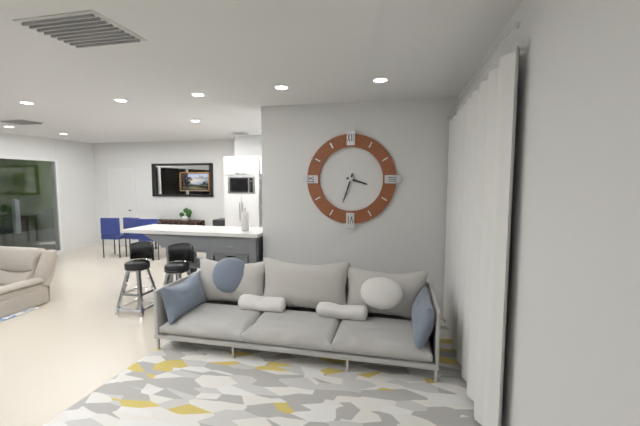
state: 3:33
